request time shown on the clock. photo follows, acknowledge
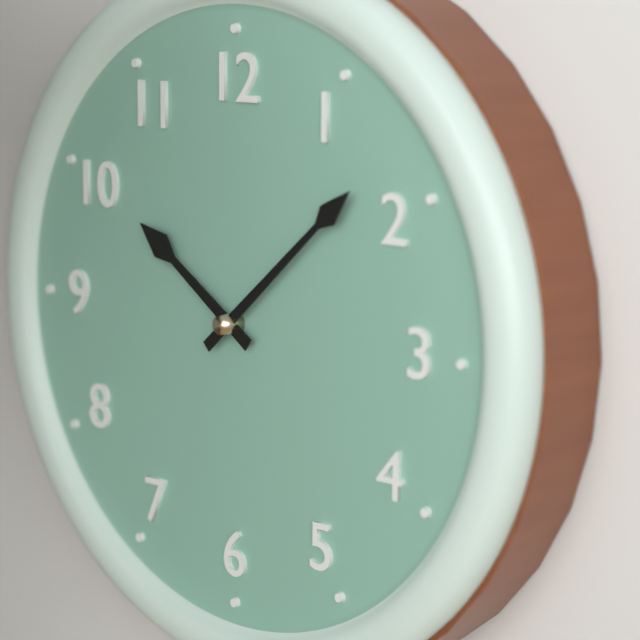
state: 10:08
